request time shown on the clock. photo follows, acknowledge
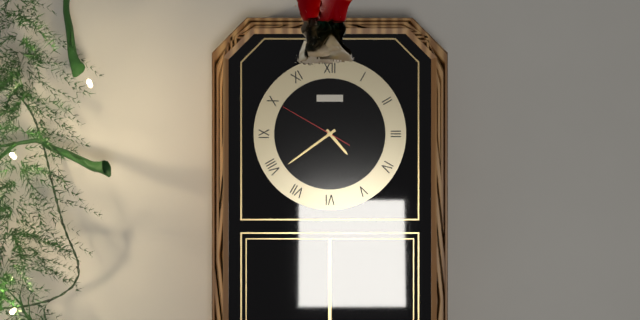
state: 4:39:50
